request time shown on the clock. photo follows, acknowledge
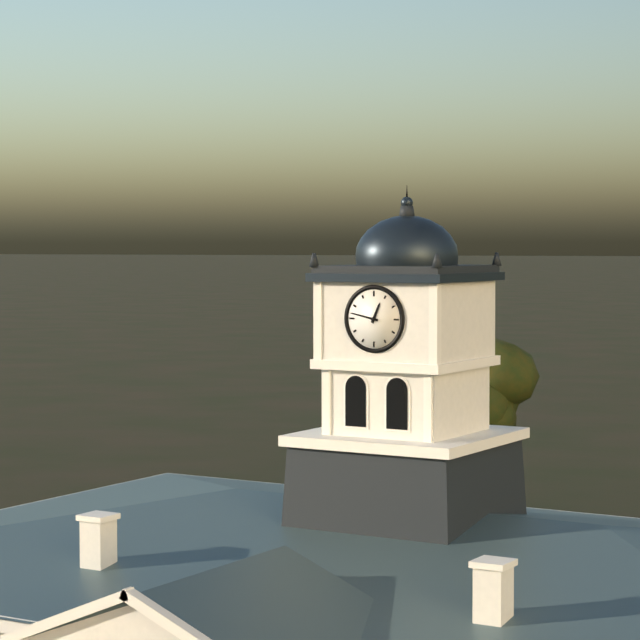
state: 12:47
